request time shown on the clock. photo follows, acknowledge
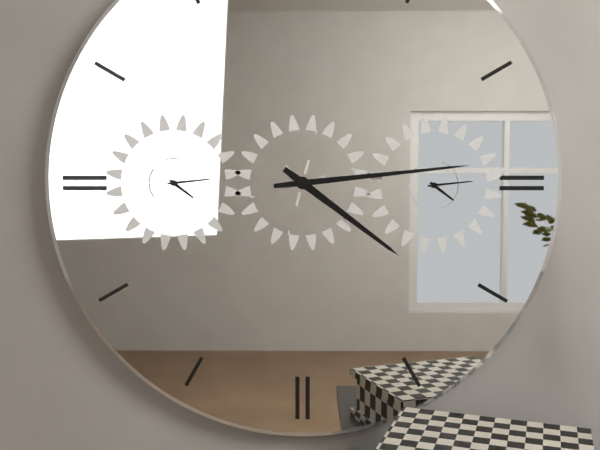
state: 4:14
